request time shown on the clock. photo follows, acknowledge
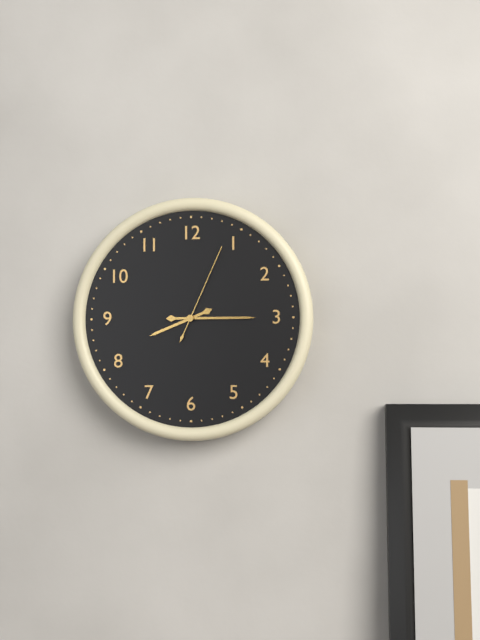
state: 8:15:04
